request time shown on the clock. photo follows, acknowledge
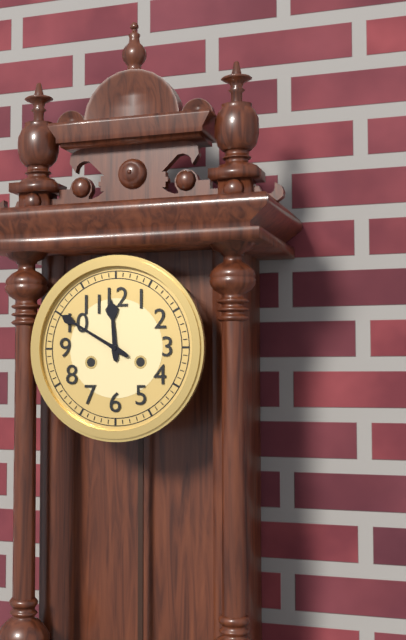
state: 11:50
